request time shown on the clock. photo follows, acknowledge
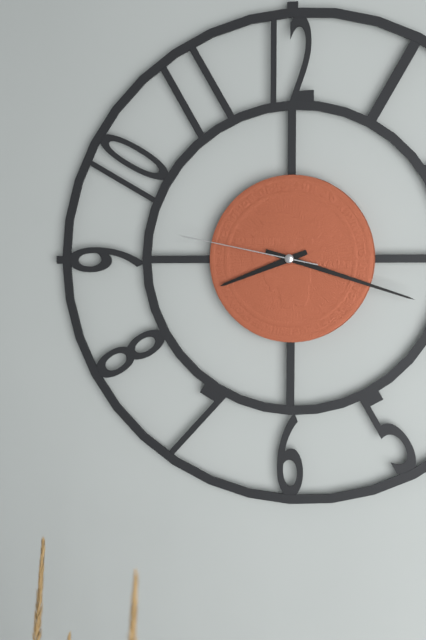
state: 8:18:47
